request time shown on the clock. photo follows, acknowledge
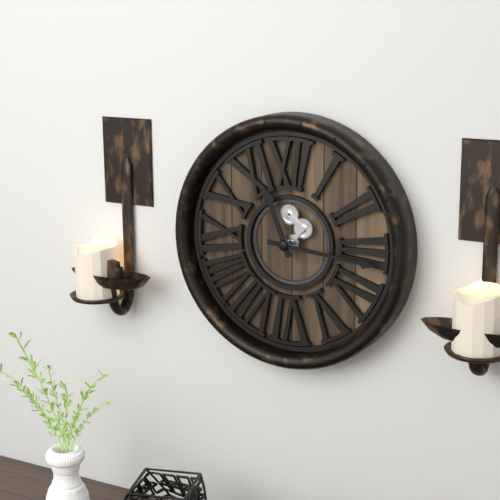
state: 11:16
